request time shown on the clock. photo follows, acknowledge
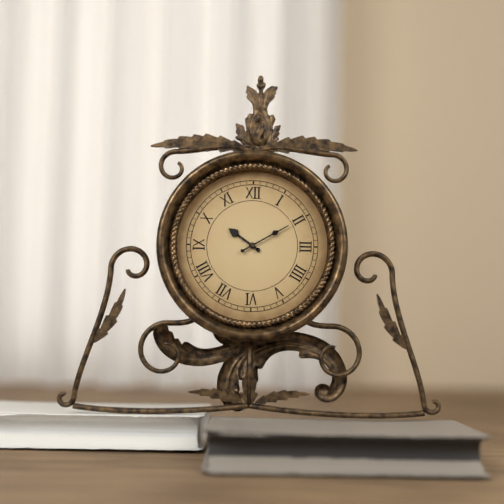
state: 10:10
